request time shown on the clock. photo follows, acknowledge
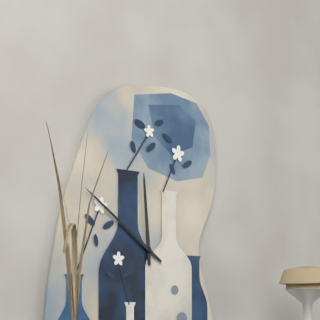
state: 11:51
